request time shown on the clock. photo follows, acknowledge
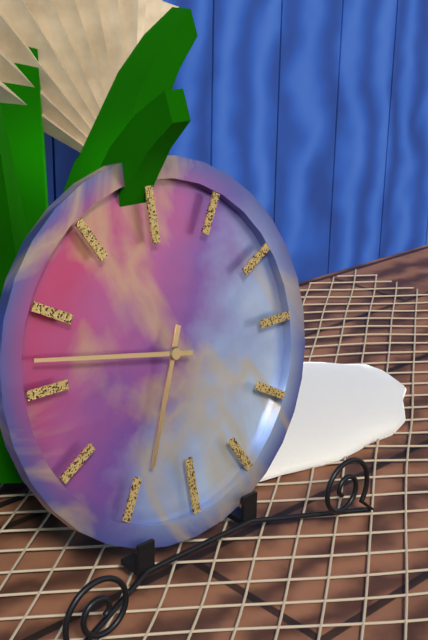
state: 6:47
